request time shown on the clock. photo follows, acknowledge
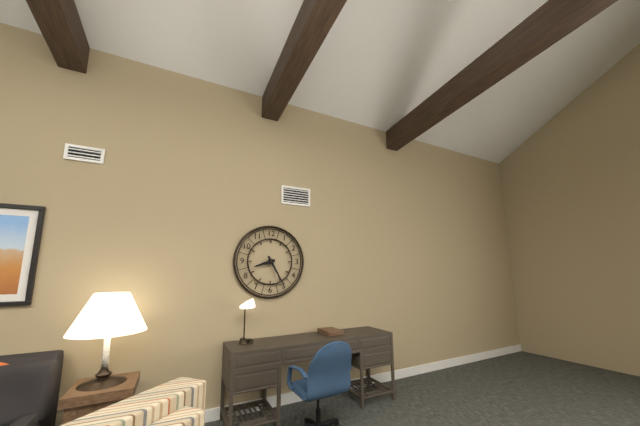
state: 8:25
